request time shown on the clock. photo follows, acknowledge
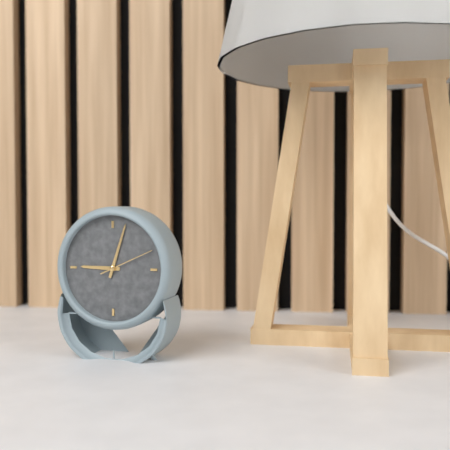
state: 9:03:11
